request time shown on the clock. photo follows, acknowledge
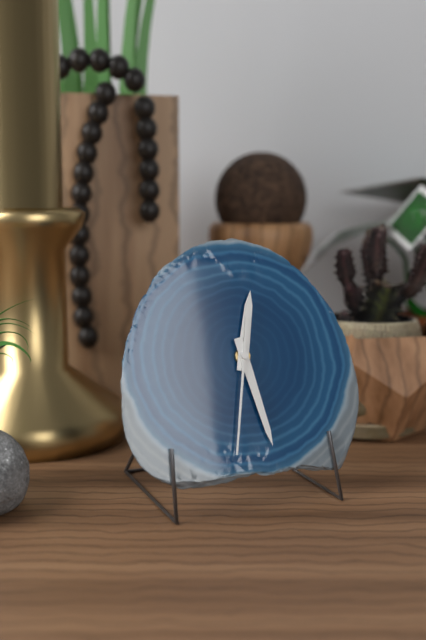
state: 12:28:32
